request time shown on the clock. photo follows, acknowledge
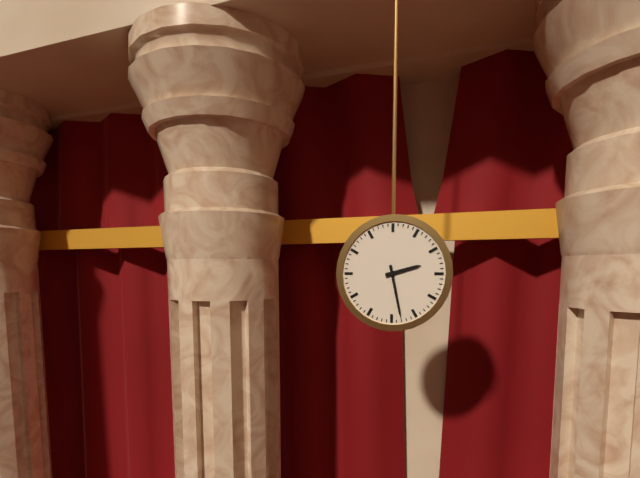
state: 2:28
